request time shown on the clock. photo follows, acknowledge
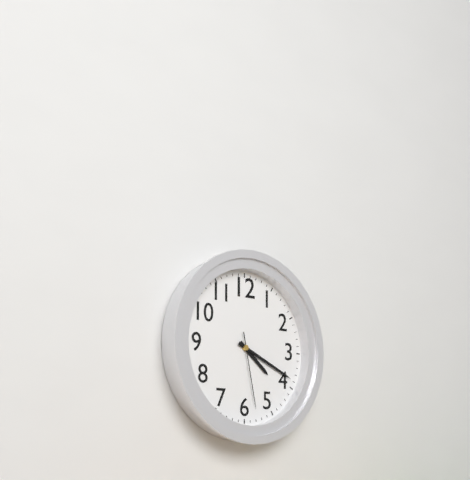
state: 4:19:28
